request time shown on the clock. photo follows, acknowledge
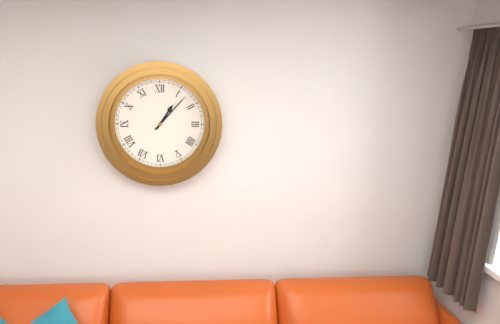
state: 1:07
